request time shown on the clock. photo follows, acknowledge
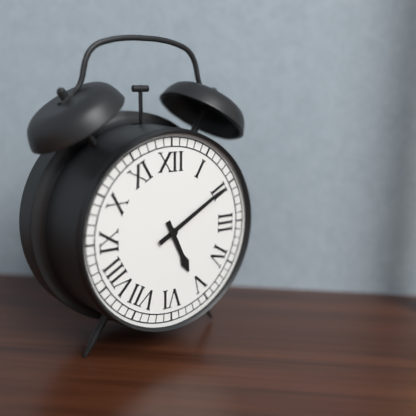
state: 5:10
